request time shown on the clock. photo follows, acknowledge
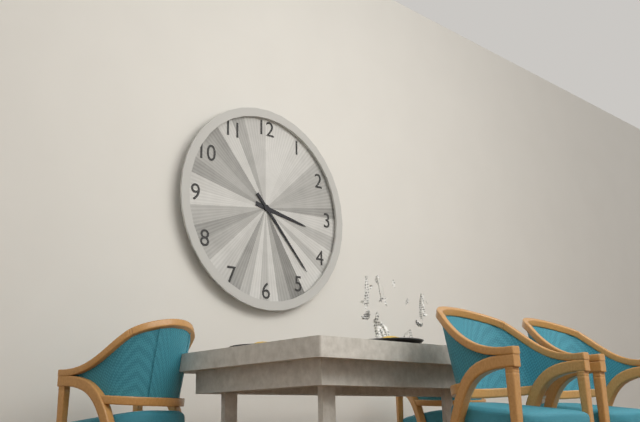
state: 3:23
